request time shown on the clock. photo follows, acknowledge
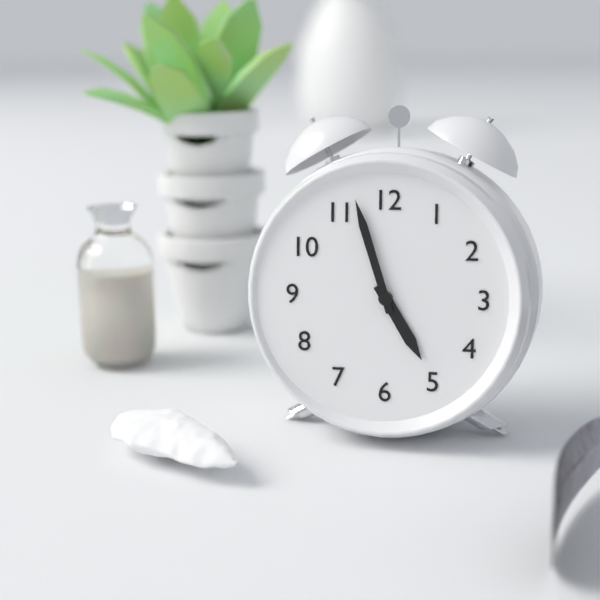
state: 4:57
